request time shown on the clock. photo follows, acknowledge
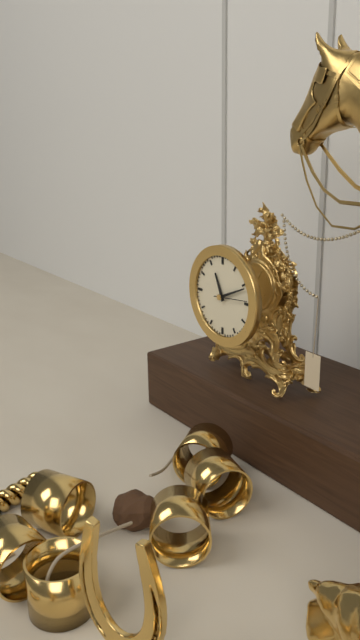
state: 11:11
